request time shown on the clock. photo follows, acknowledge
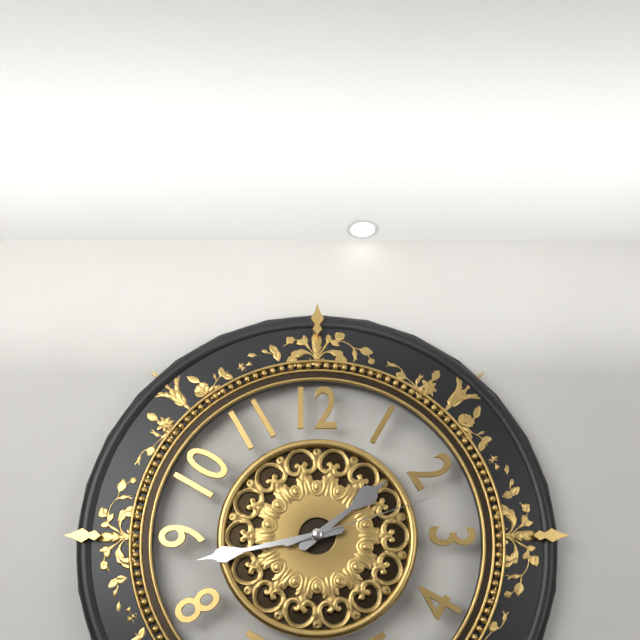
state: 1:43:12
